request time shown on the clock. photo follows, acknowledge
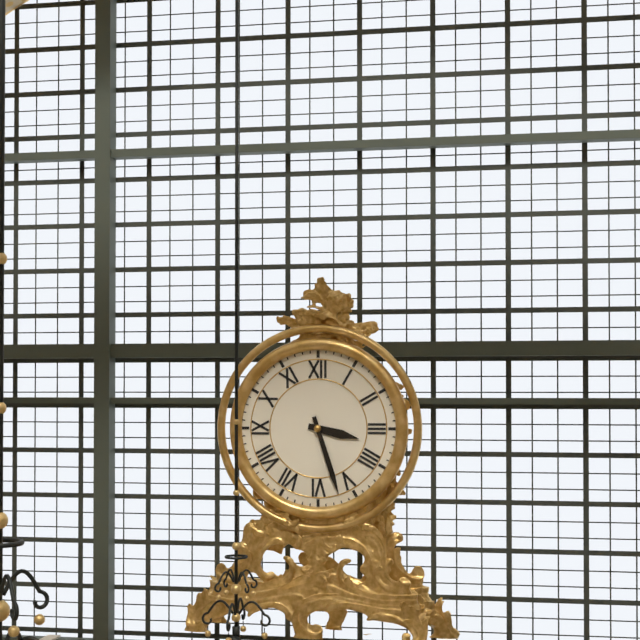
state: 3:27
